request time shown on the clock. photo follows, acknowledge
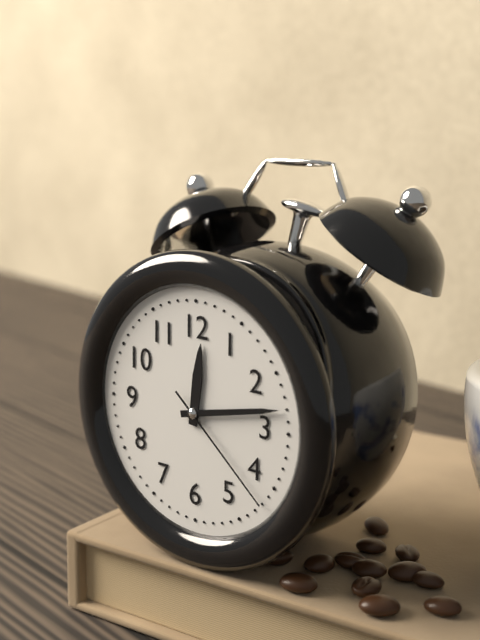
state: 12:13:22
